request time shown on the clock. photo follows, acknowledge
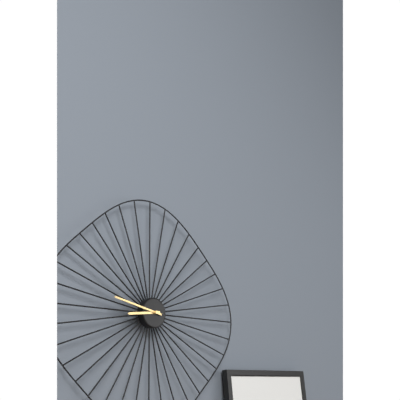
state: 8:47
